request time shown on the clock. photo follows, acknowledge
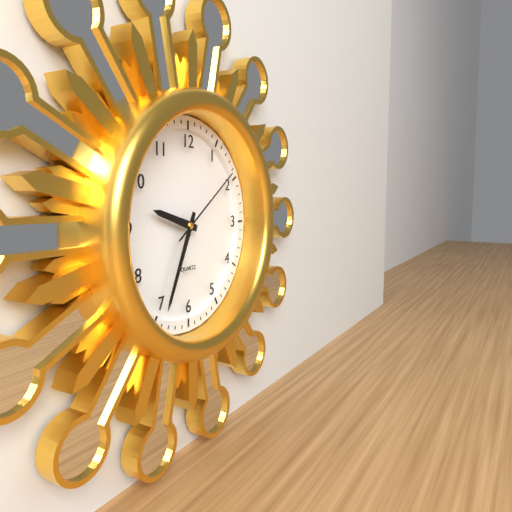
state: 9:34:09
